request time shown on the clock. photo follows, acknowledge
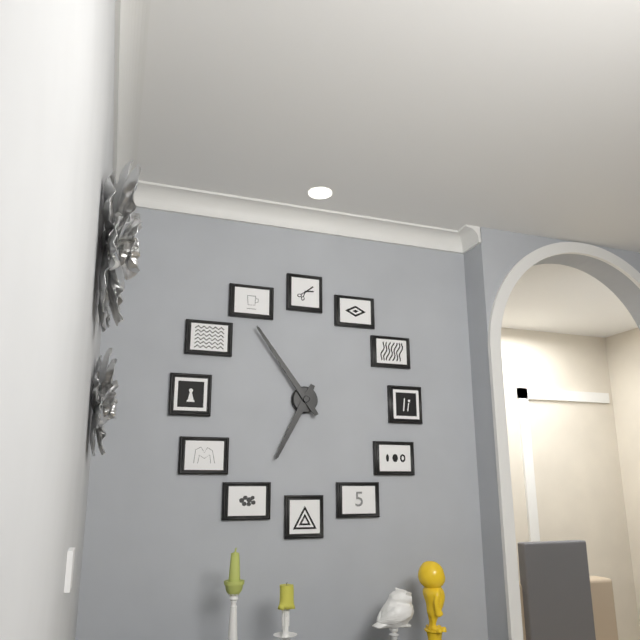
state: 6:54
